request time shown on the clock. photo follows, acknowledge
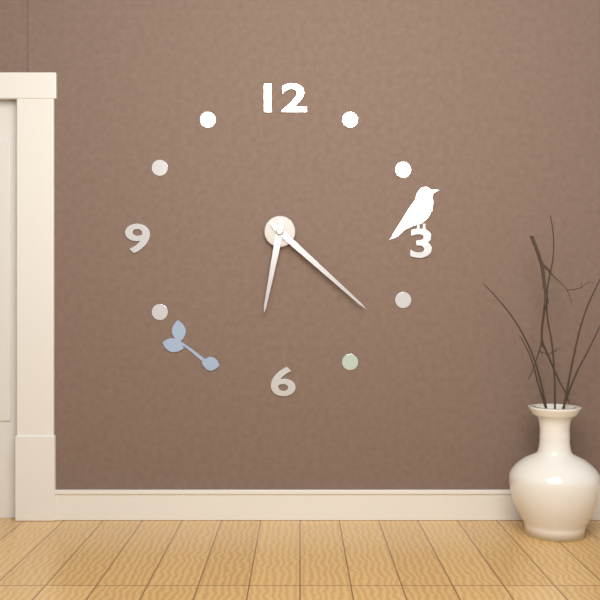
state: 6:22
